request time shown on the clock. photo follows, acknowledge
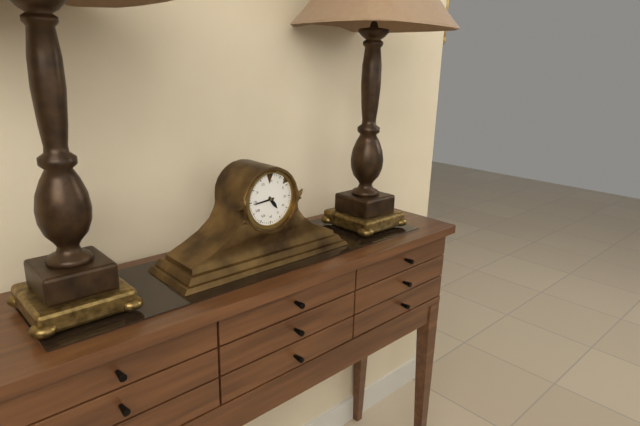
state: 4:44
